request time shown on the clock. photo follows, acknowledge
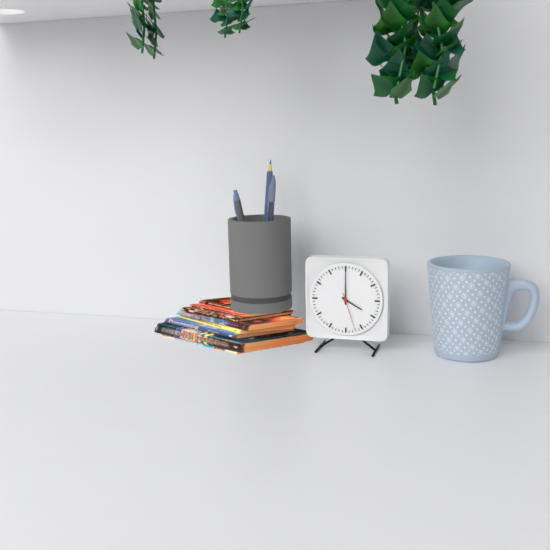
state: 4:00
